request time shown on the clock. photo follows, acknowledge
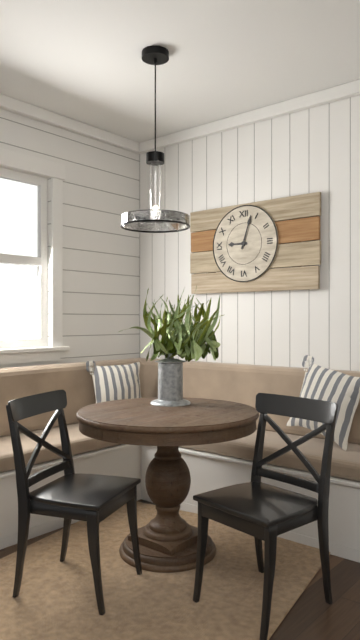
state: 9:03
